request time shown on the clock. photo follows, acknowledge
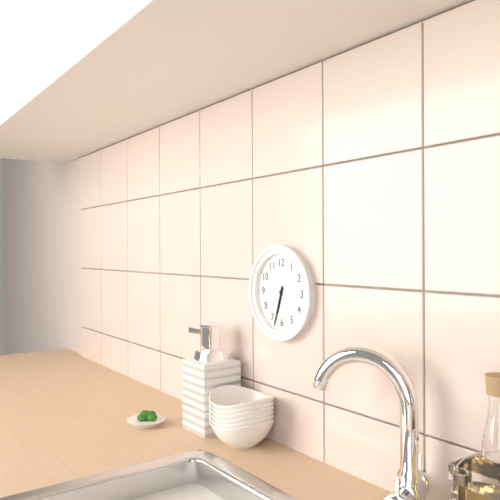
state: 6:33
